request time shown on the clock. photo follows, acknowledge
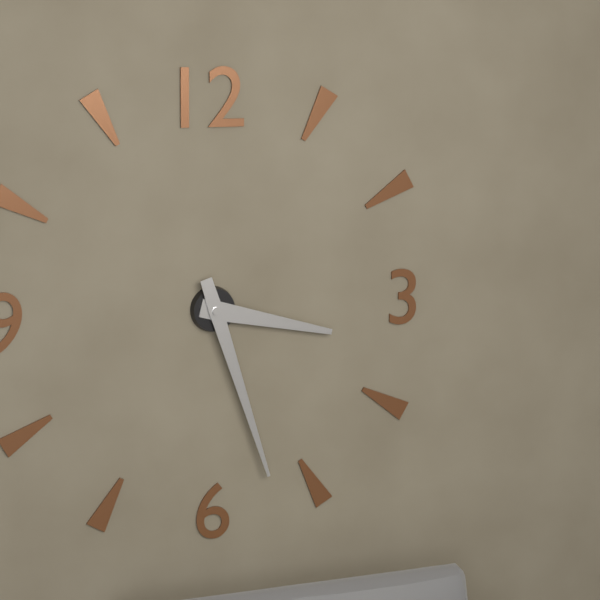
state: 3:27
